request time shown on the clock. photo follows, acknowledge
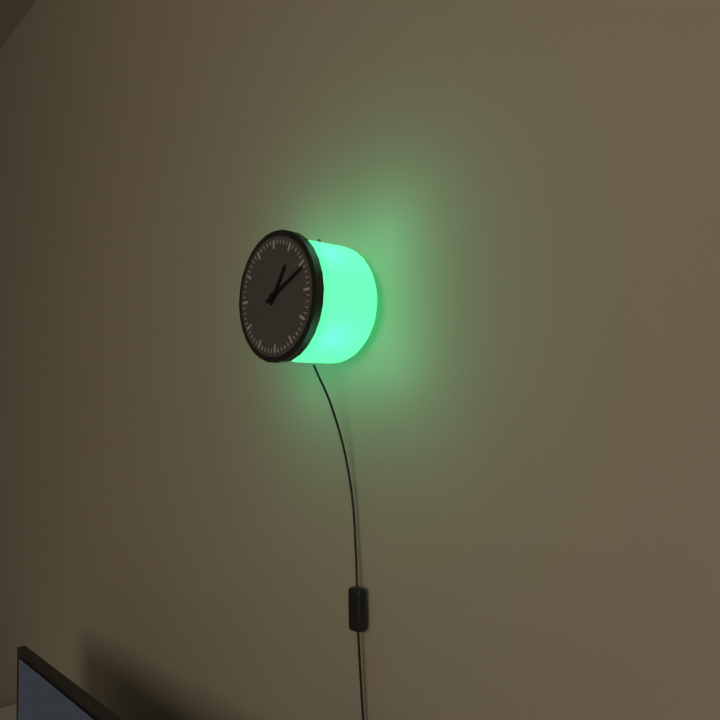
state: 1:11
